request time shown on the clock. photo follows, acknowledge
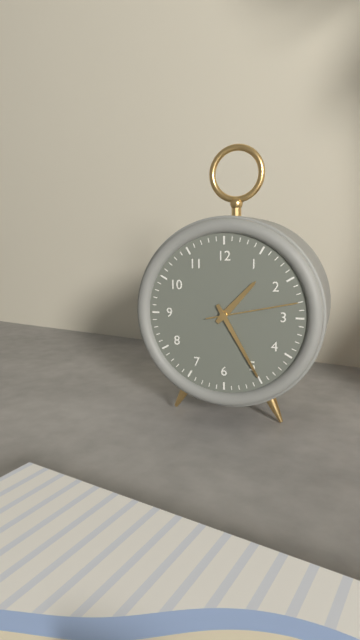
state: 1:25:13
